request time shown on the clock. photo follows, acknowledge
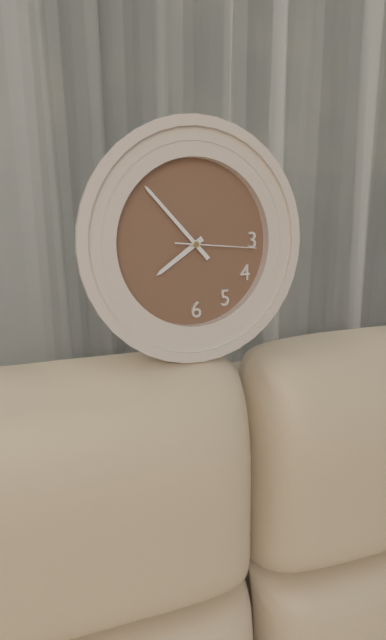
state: 7:53:16
